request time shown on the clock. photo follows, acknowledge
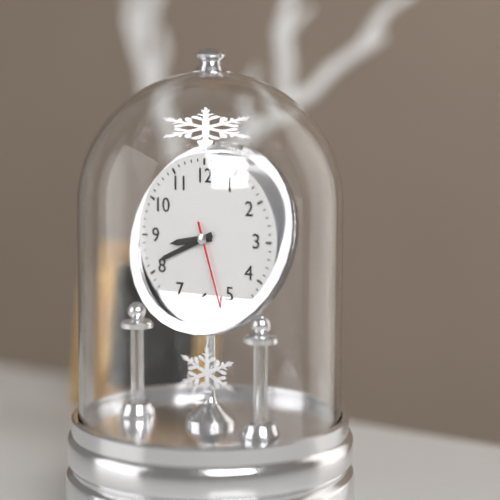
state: 8:41:27
